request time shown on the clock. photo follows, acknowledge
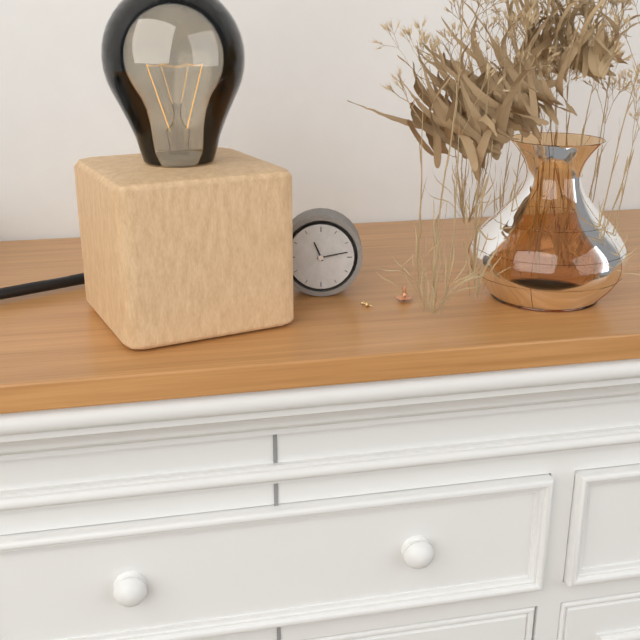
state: 11:13
